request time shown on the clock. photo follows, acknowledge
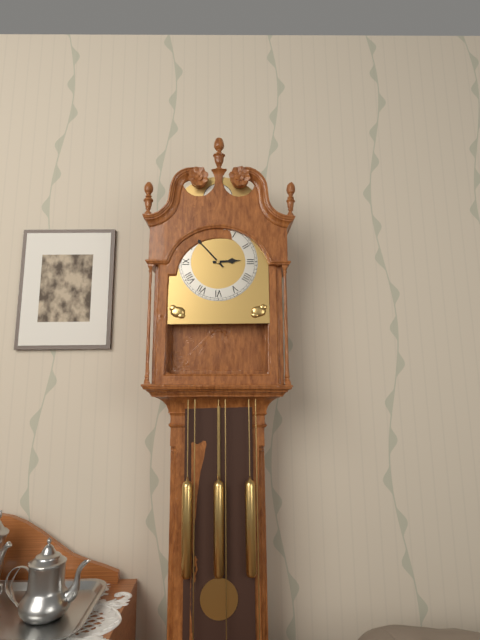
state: 2:53
